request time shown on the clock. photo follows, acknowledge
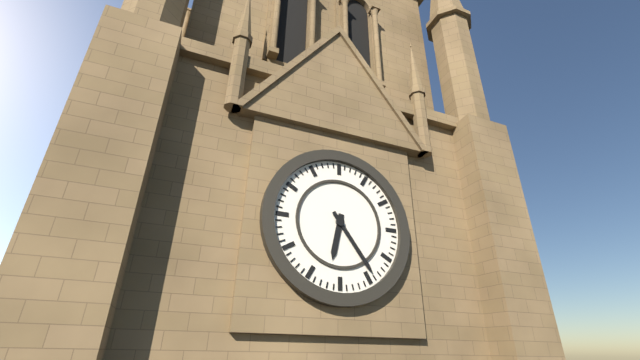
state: 6:24
